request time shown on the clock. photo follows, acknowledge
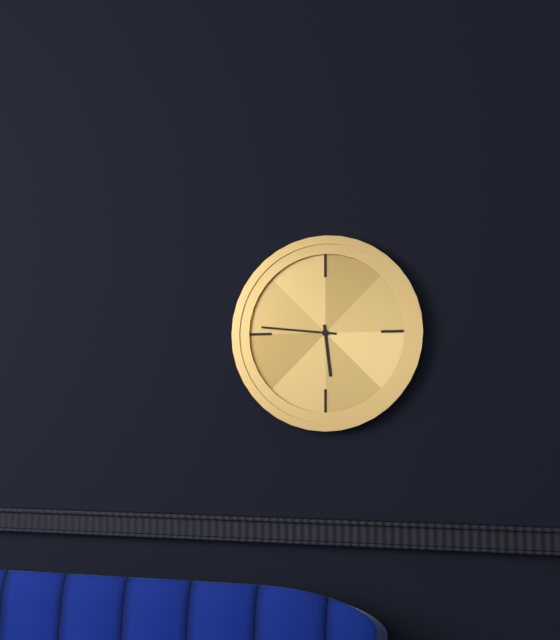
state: 5:46
